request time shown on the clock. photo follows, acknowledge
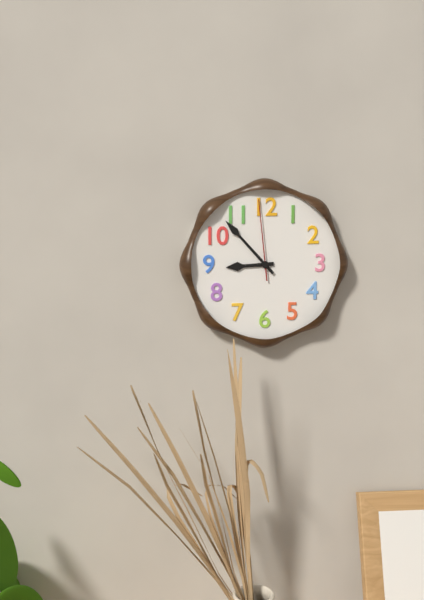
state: 8:53:59
